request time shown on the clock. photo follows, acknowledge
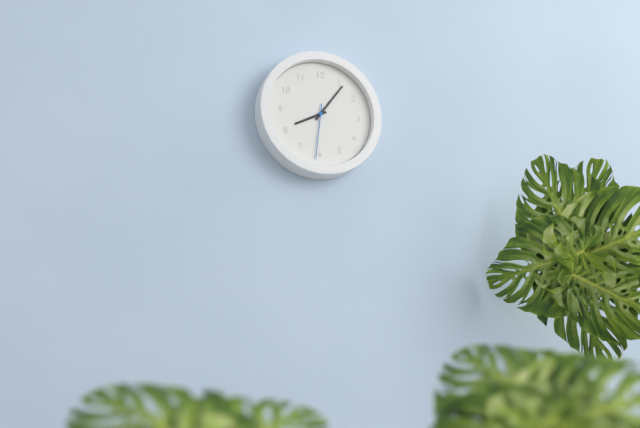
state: 8:06:31
